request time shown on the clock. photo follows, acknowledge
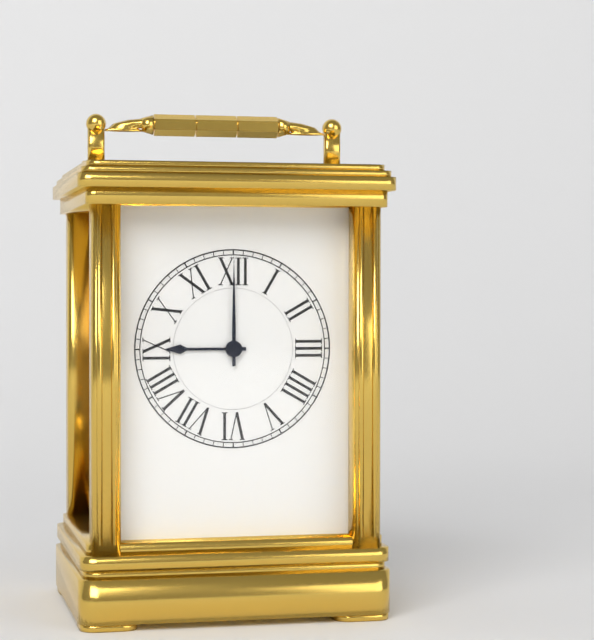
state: 9:00
